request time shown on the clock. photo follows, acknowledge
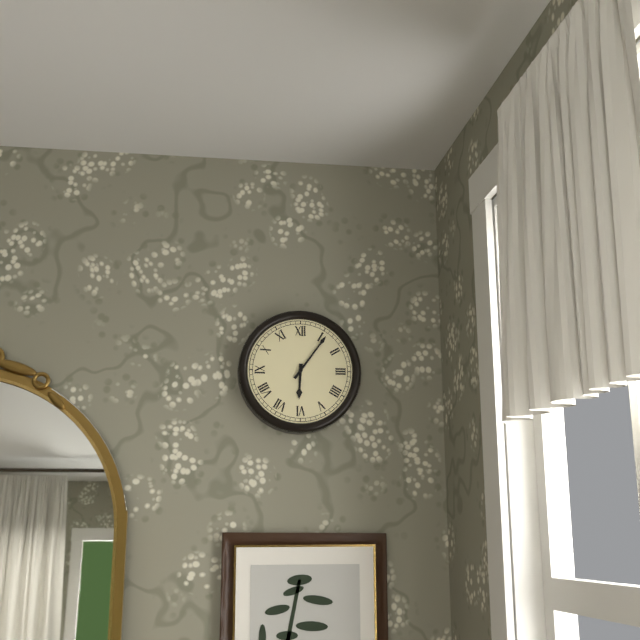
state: 6:06
